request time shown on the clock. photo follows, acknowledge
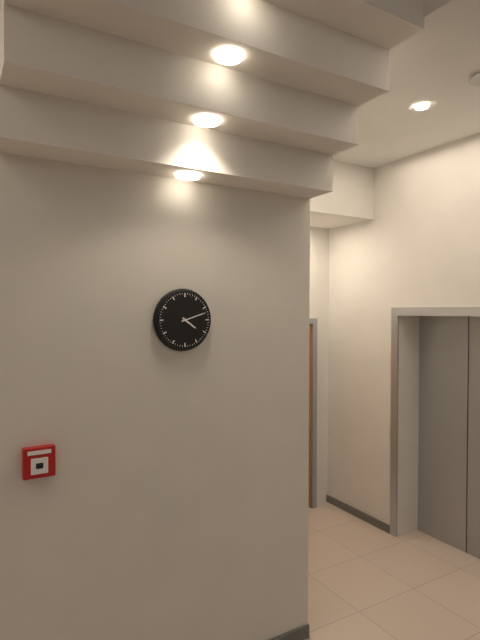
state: 4:12
